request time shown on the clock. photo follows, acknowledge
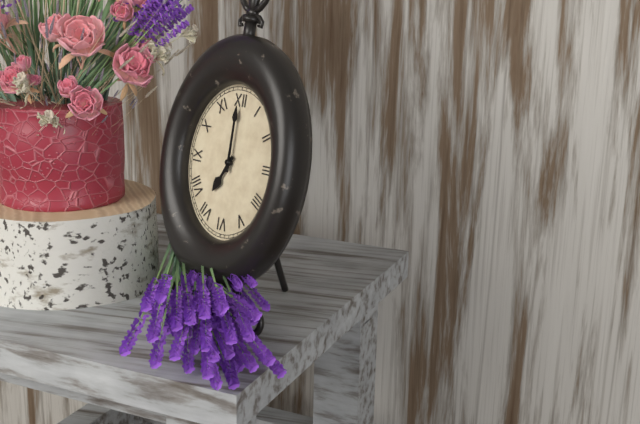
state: 7:00
